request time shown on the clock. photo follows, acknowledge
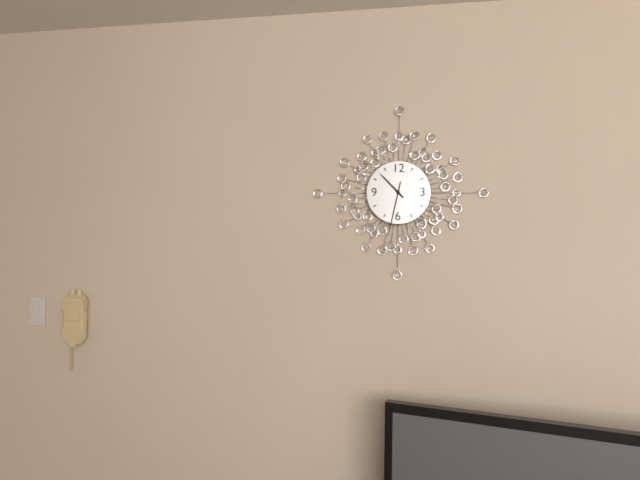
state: 10:32
